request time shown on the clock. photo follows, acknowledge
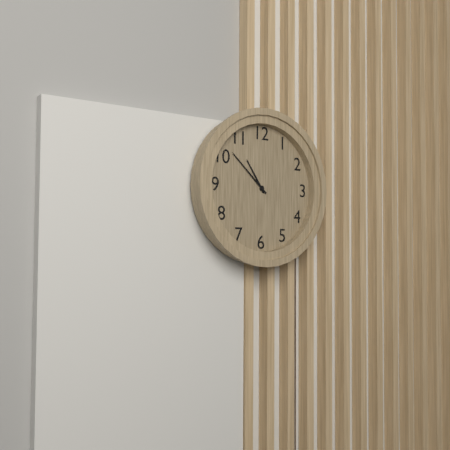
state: 10:52
